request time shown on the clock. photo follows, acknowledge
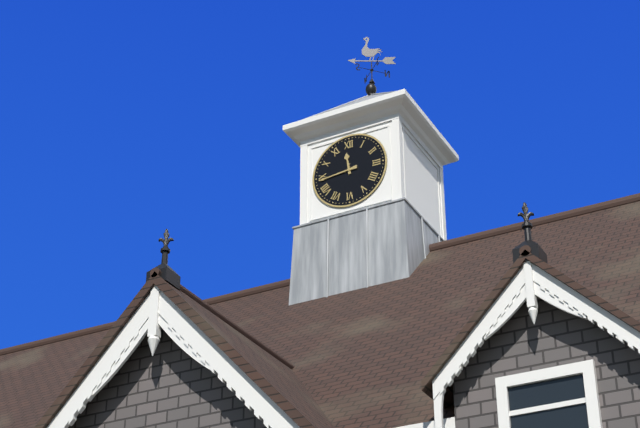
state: 11:44
